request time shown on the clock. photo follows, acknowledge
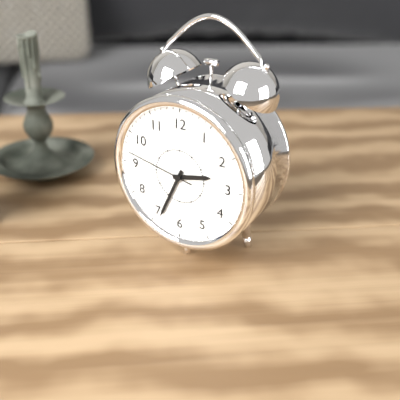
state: 2:34:47
